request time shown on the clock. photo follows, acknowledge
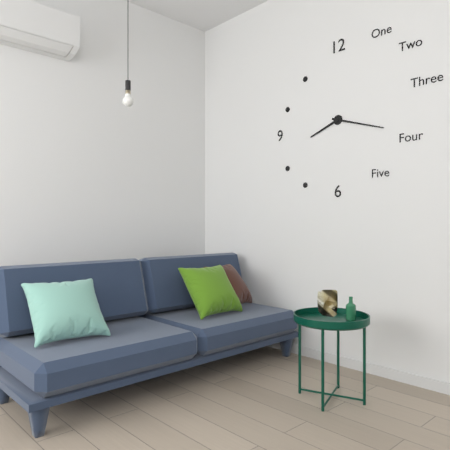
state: 8:18
